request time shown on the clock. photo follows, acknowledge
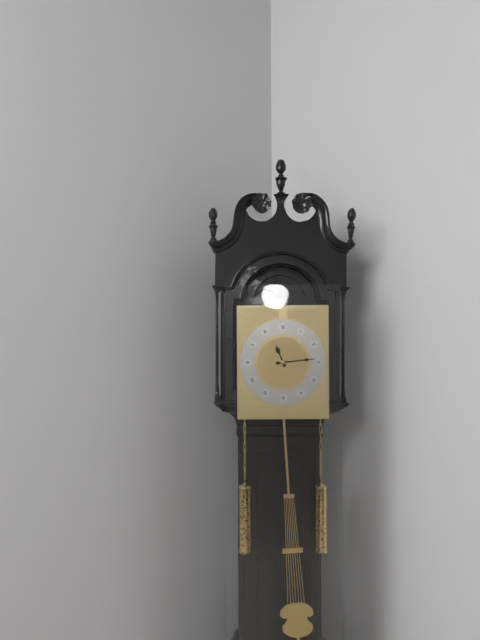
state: 11:14
